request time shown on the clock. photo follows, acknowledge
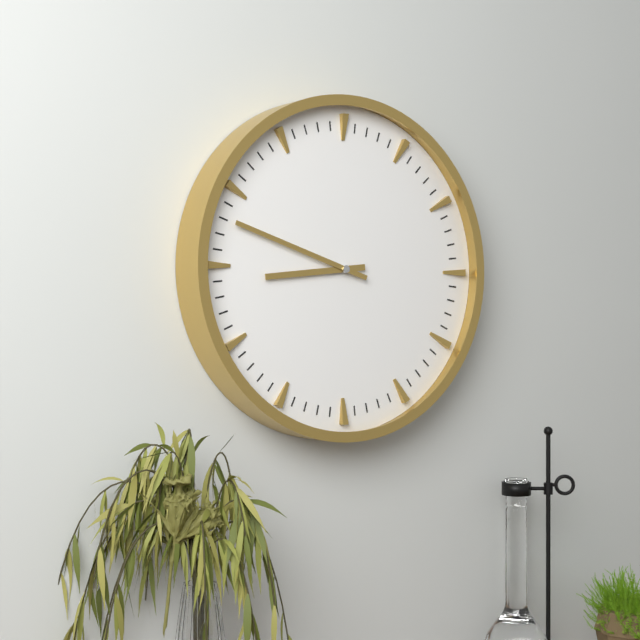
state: 8:48
